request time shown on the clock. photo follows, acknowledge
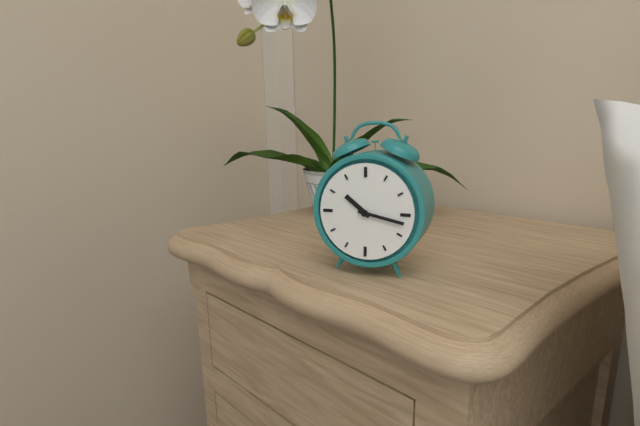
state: 10:17
